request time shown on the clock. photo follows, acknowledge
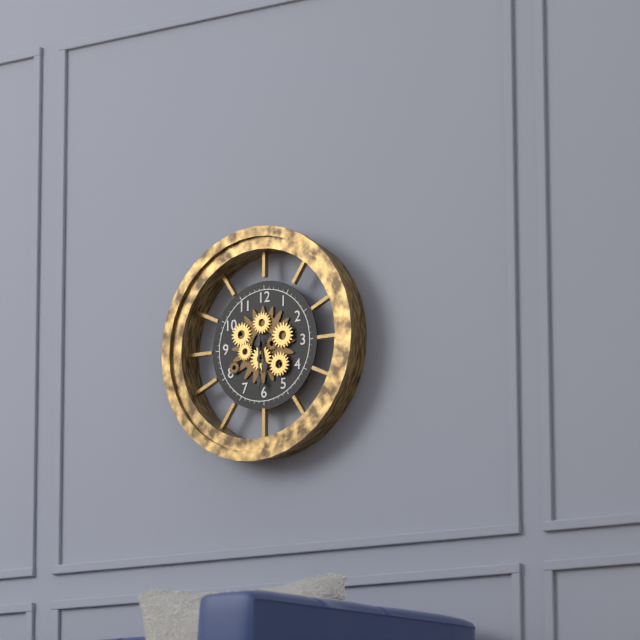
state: 5:30
